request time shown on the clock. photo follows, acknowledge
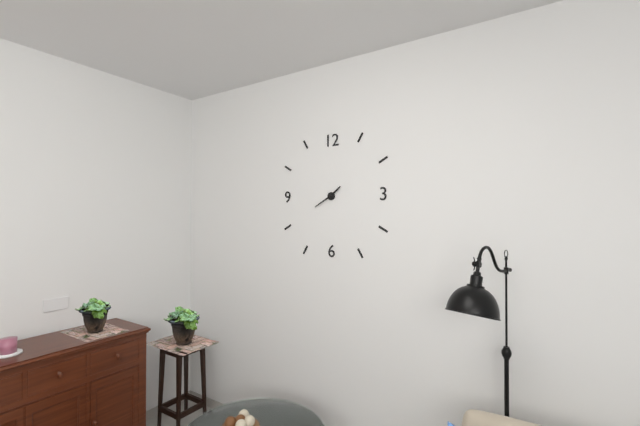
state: 1:40
